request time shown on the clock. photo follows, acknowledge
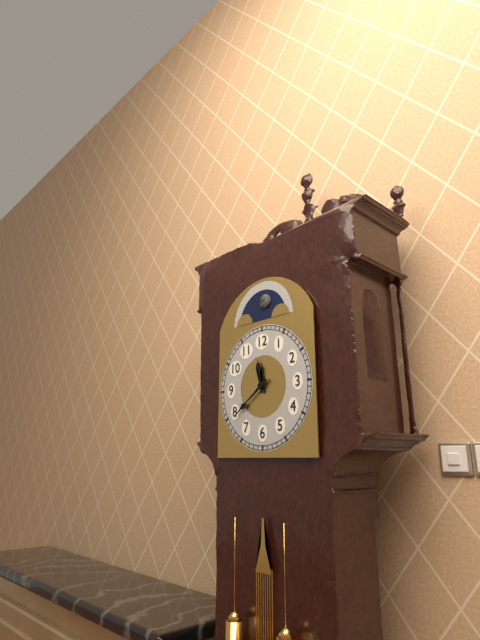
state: 11:39
